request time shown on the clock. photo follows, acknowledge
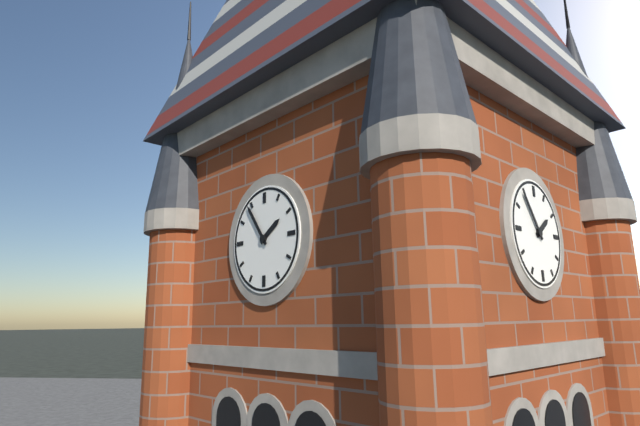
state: 1:54
